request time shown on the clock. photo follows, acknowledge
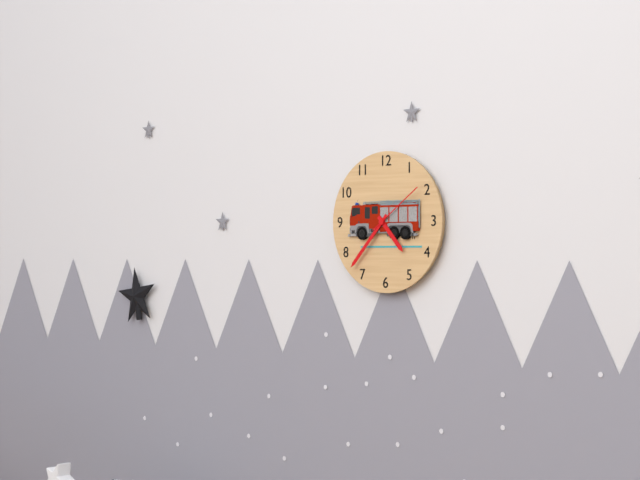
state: 4:37:09
